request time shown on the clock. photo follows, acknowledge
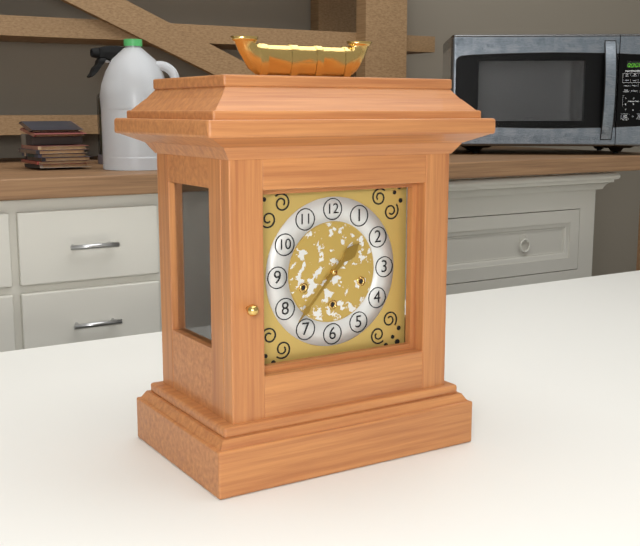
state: 1:37
